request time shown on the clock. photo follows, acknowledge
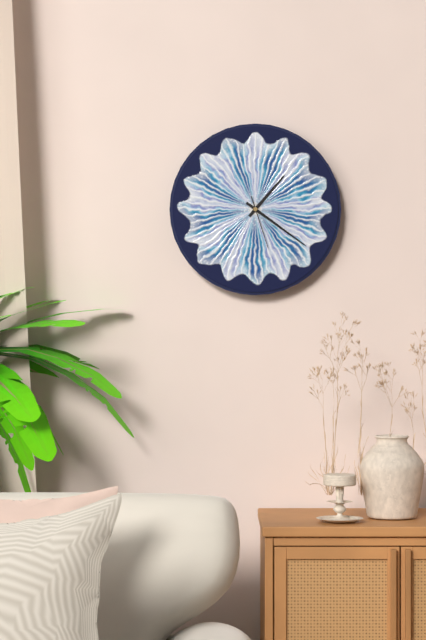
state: 1:21:27
